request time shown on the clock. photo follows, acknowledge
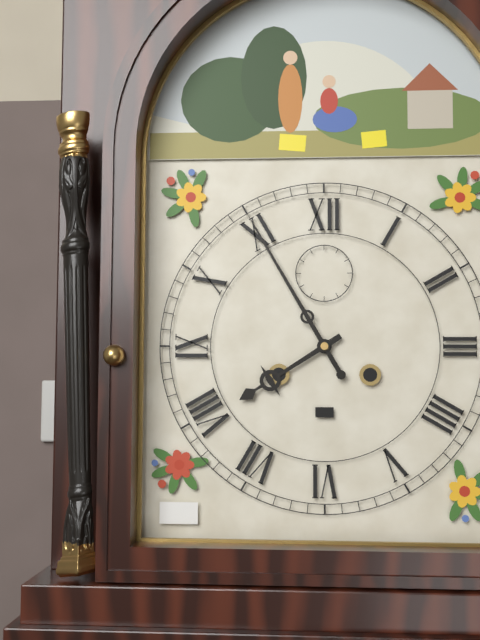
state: 7:55
